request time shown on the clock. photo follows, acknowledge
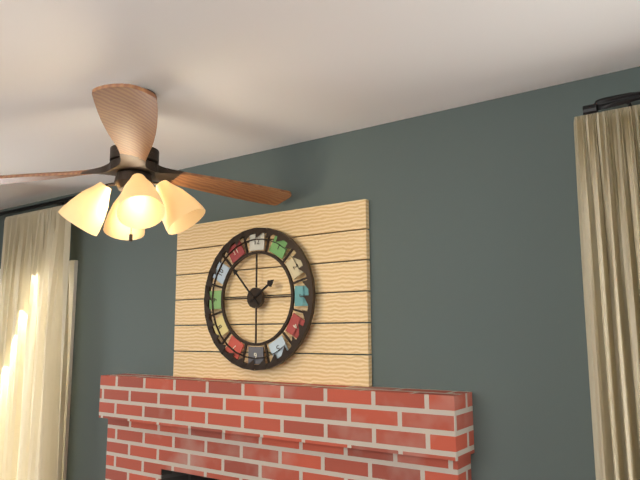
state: 1:53
